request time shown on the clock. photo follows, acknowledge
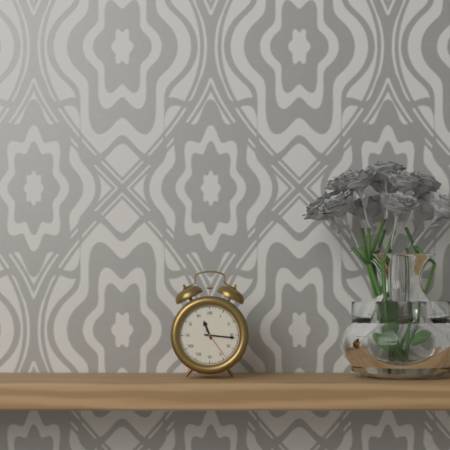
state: 11:16
